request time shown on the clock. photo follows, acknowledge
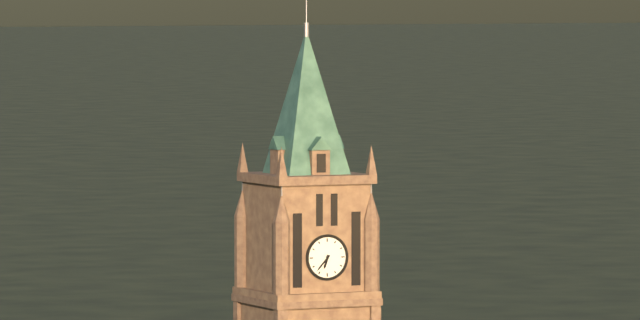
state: 6:37
